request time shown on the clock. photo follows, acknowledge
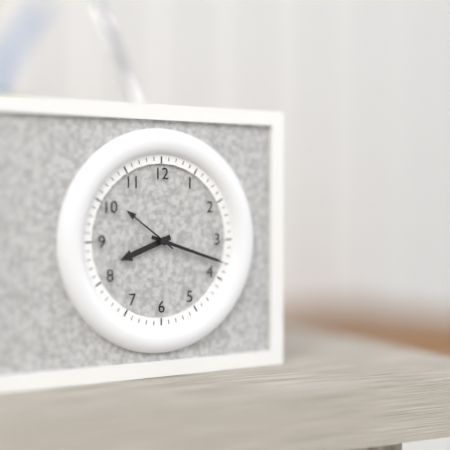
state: 8:18:51
